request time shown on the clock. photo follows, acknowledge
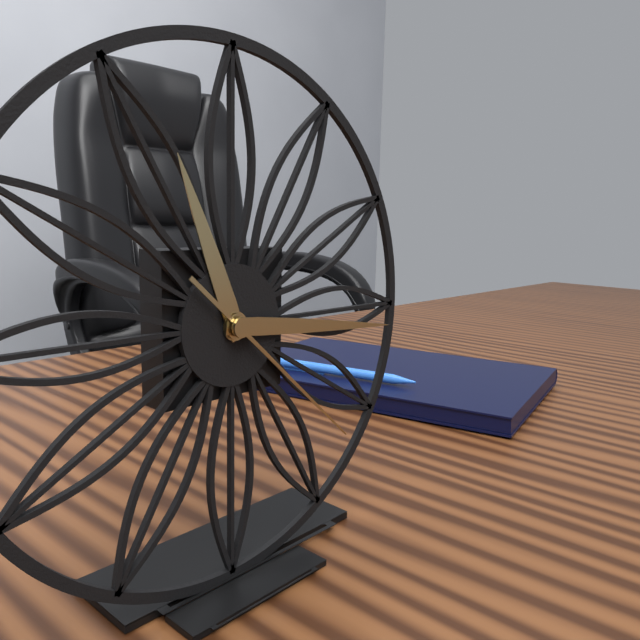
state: 11:16:22
